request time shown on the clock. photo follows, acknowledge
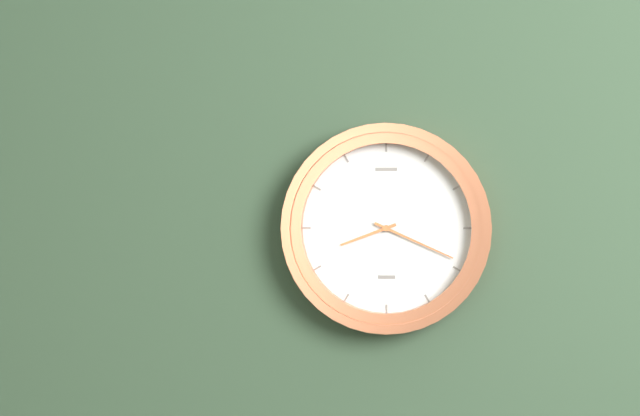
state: 8:19
